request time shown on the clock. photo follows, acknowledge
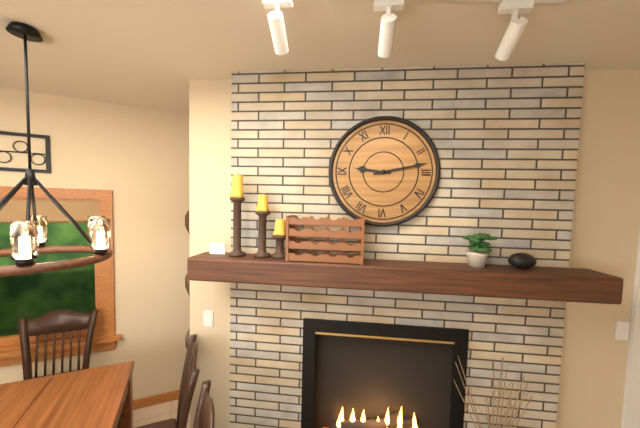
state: 9:13
